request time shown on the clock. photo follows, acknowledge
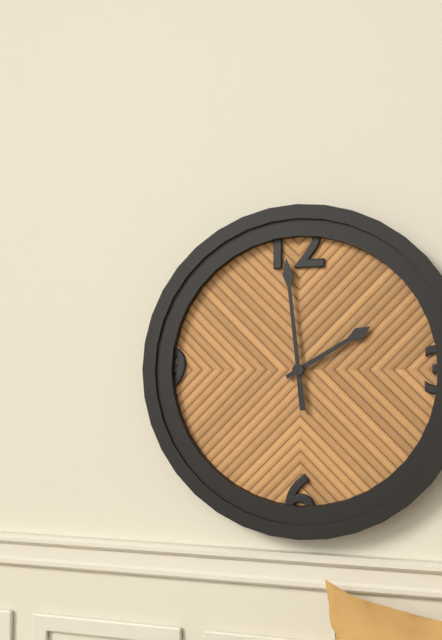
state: 1:59
